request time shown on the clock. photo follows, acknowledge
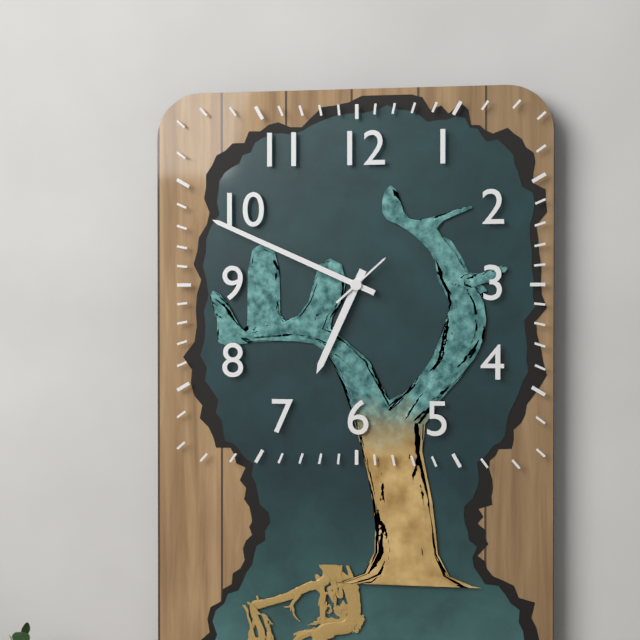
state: 6:49
